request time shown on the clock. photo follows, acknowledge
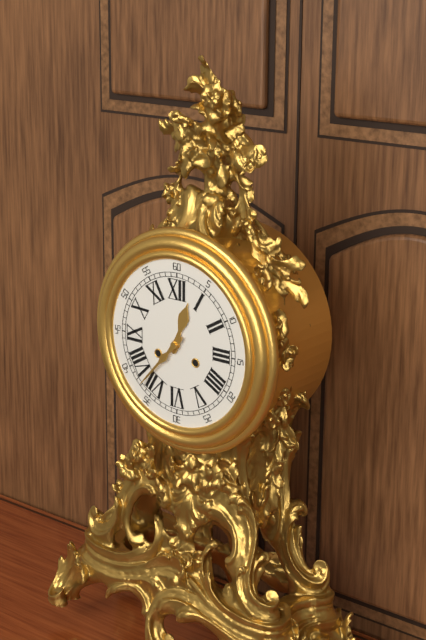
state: 12:37
